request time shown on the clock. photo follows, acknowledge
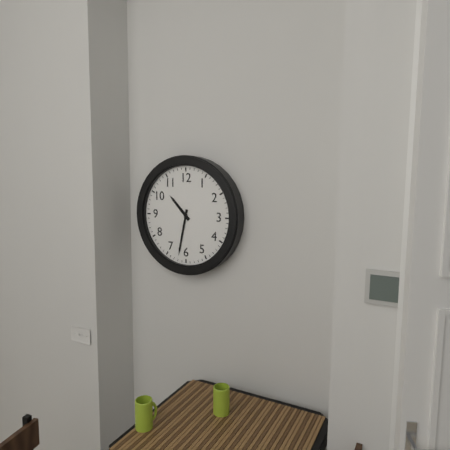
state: 10:32
